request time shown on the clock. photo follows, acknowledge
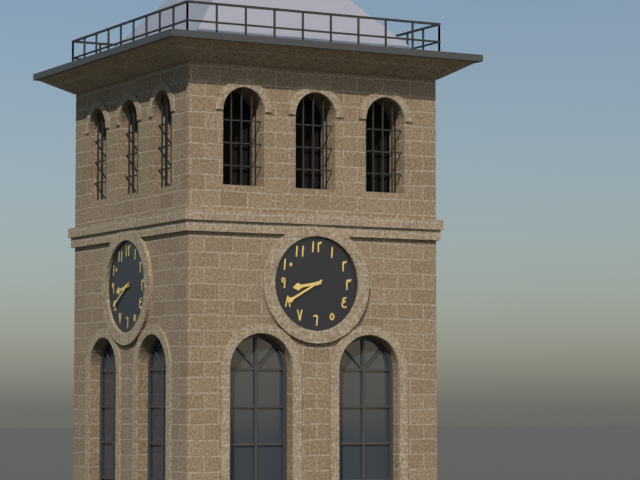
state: 8:40
